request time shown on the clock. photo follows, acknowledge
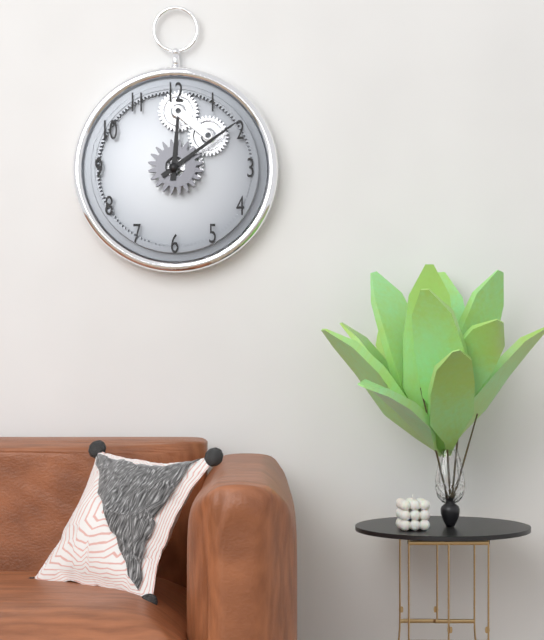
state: 12:09
